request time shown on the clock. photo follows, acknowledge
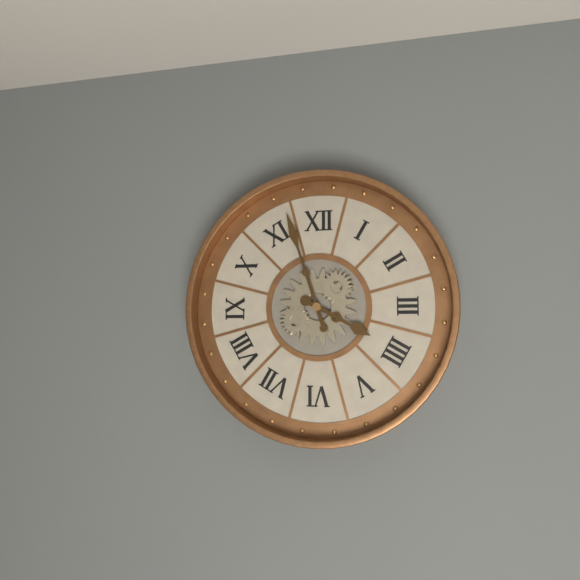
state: 3:57
